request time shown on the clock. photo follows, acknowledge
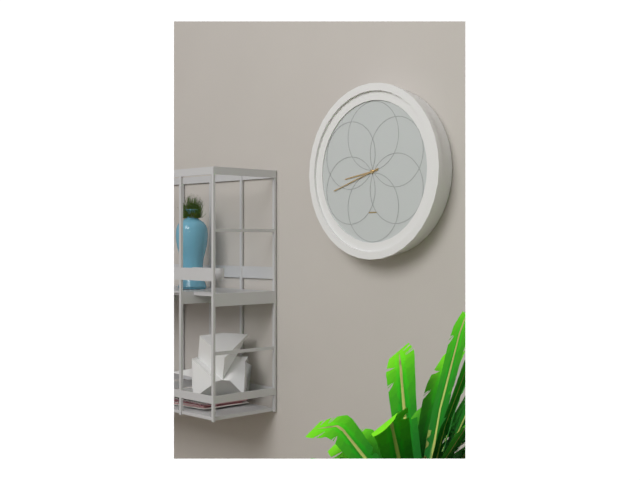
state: 8:42
